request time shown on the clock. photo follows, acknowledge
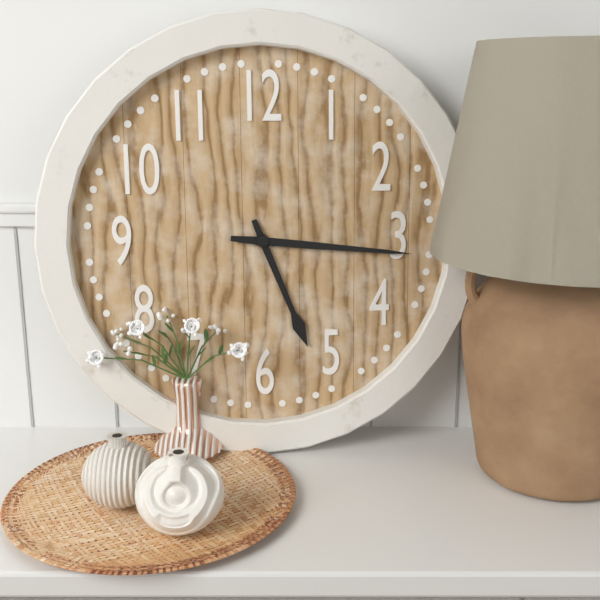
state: 5:16
